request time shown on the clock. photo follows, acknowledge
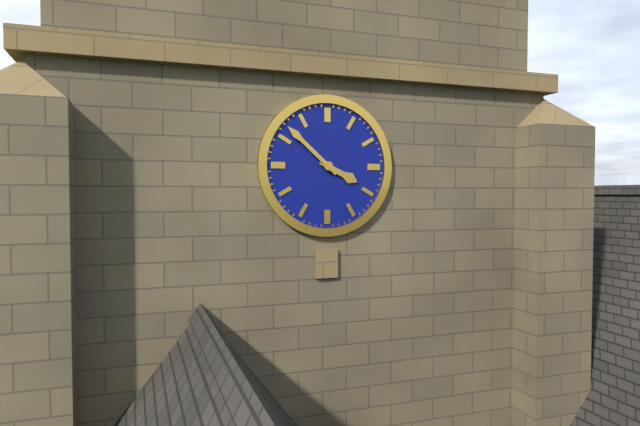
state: 3:52
